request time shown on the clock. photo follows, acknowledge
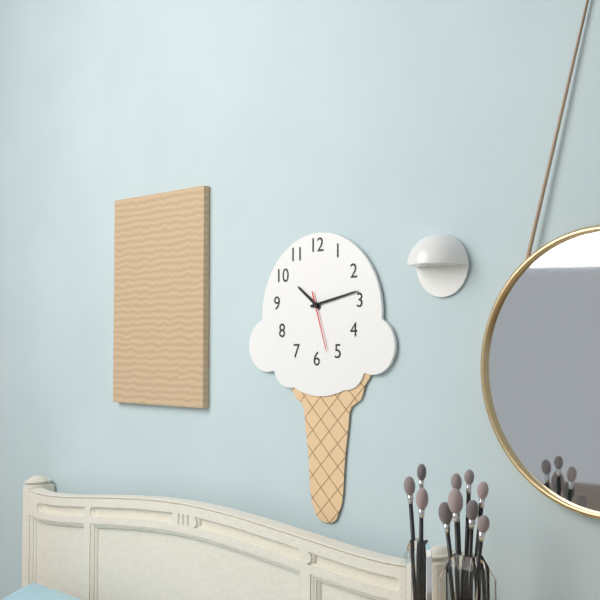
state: 10:13:27
